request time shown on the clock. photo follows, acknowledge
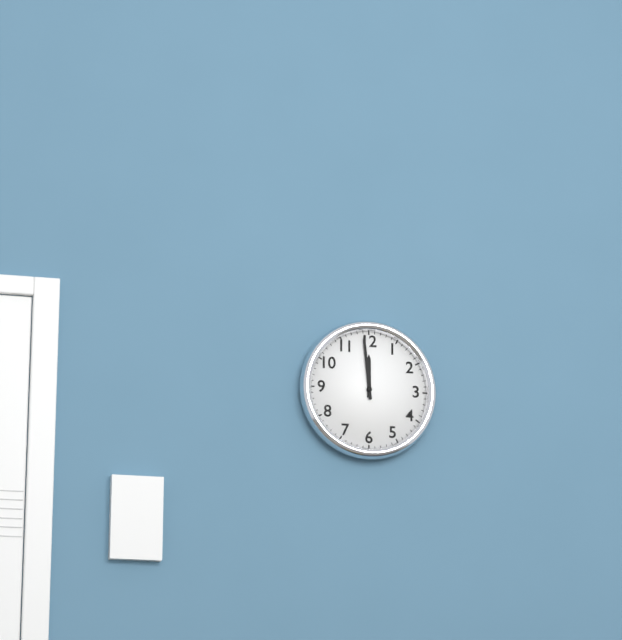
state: 11:59
